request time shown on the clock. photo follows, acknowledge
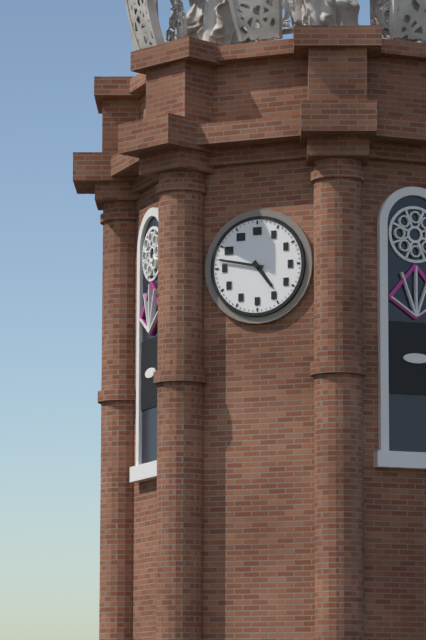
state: 4:47
